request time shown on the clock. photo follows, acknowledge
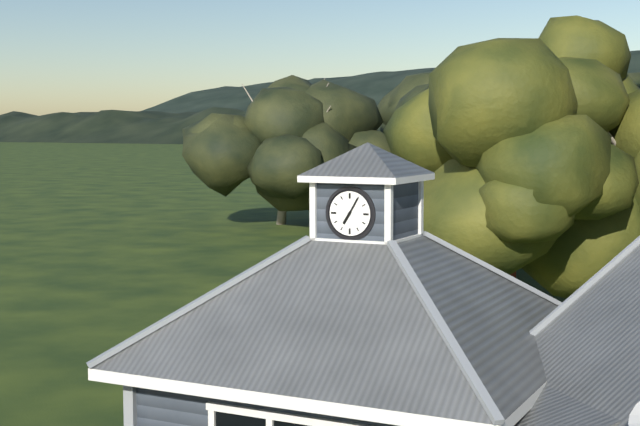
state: 7:05
